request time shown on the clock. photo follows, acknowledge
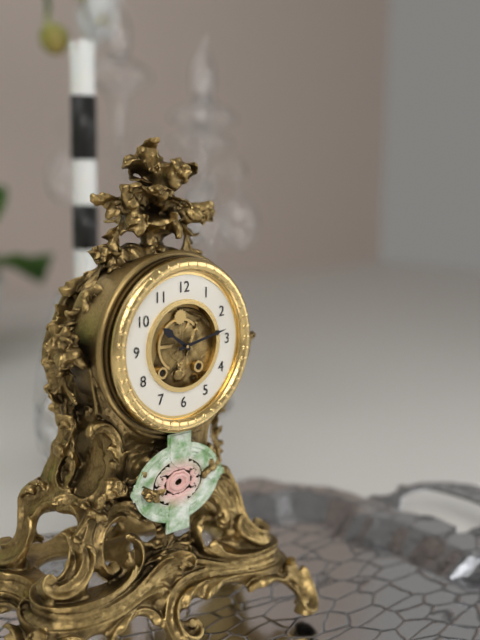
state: 10:13
